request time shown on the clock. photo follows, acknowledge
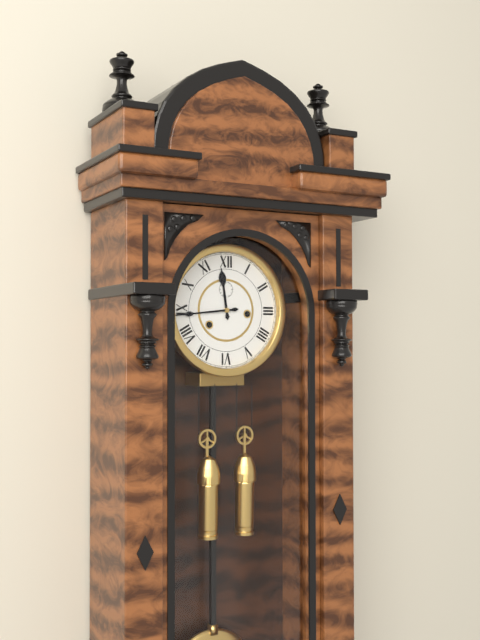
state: 11:44
